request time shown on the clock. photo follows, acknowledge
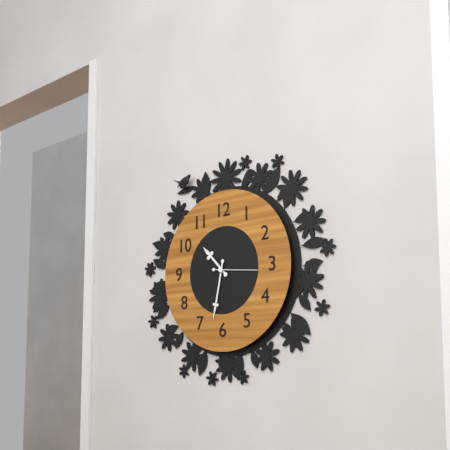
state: 10:32
